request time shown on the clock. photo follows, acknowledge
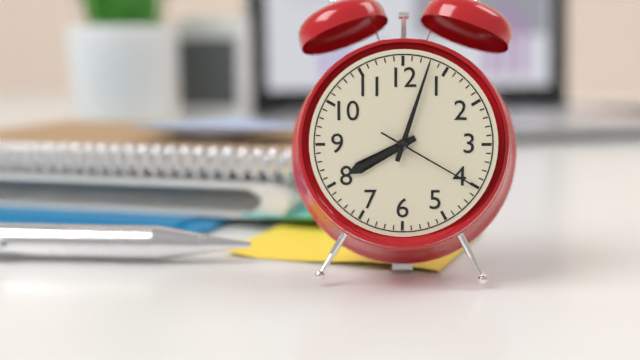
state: 8:03:20
